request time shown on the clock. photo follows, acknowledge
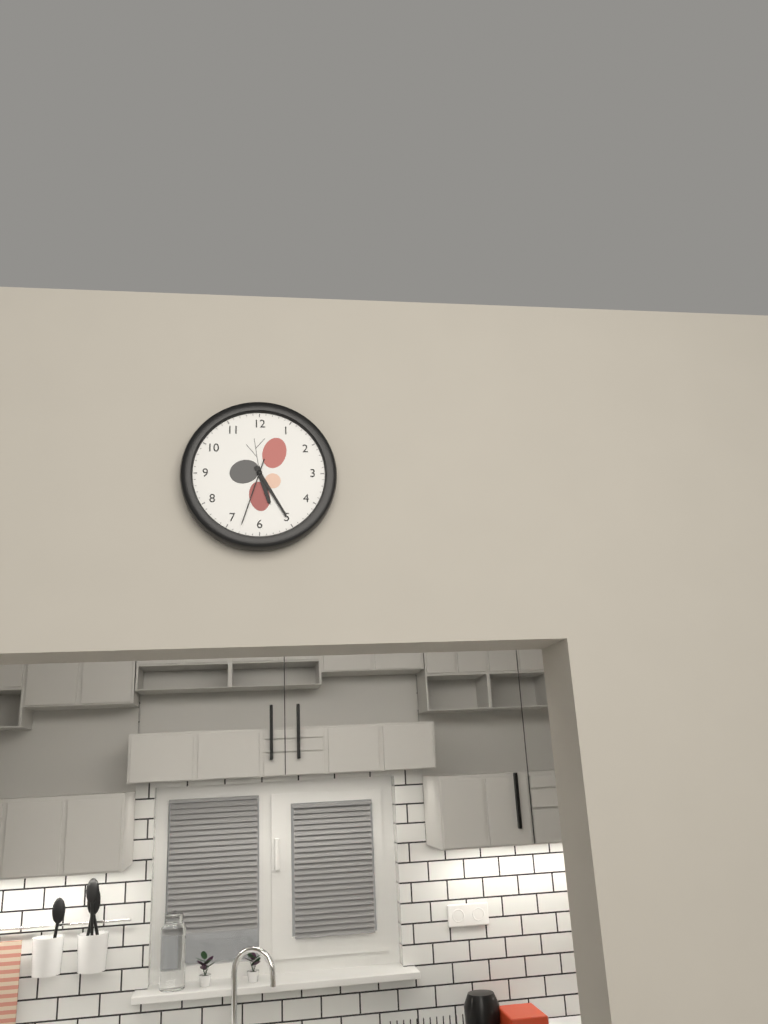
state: 5:25:33
